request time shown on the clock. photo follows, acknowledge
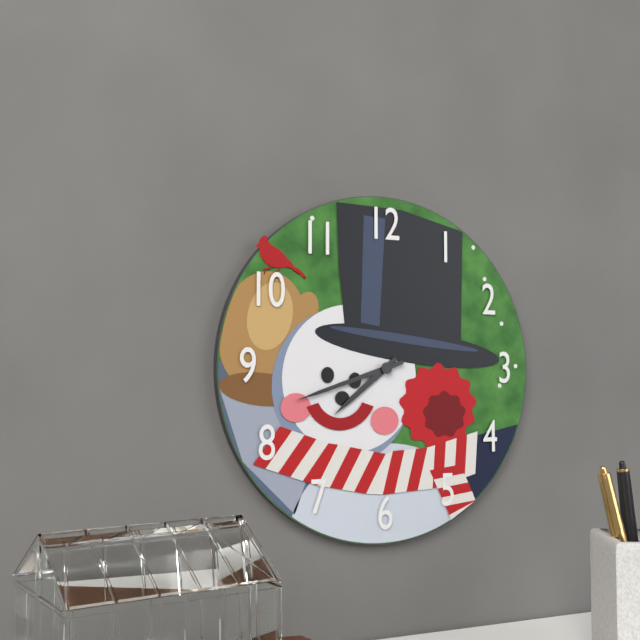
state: 7:42
